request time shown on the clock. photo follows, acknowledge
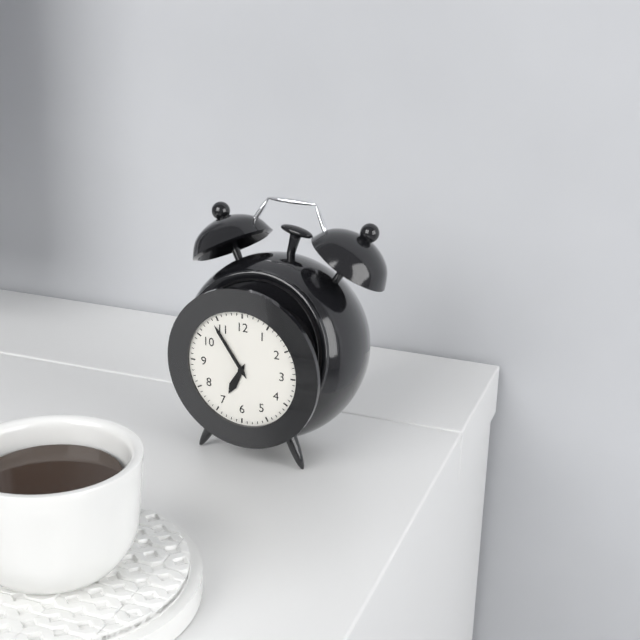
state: 6:54
